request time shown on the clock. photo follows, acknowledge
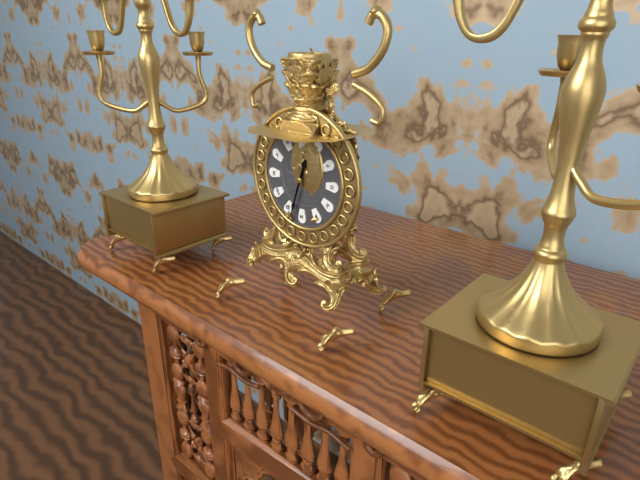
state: 12:33
